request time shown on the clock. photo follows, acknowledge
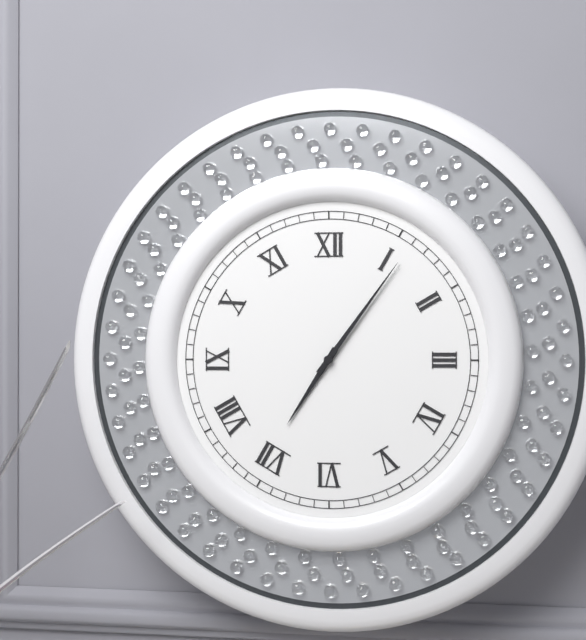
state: 7:06
